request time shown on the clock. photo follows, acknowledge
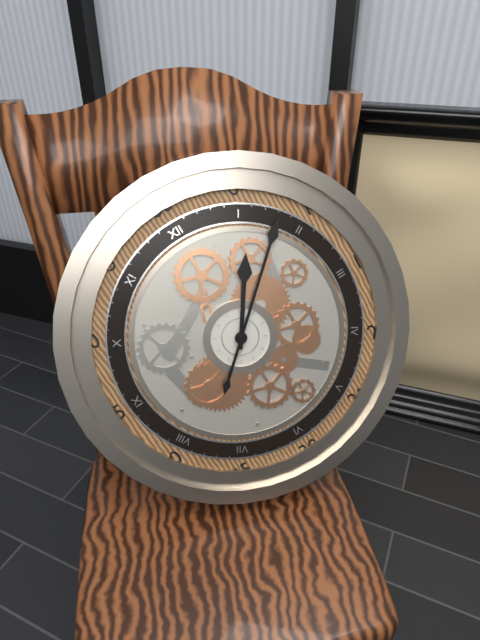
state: 1:08
